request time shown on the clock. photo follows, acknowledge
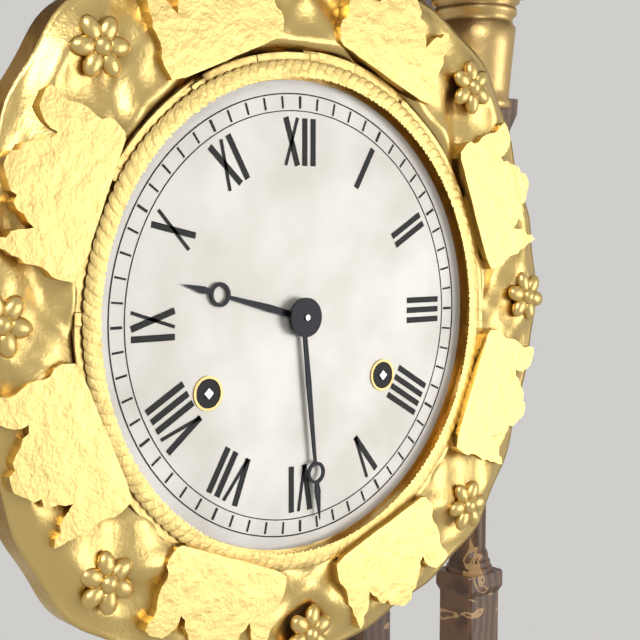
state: 9:29
